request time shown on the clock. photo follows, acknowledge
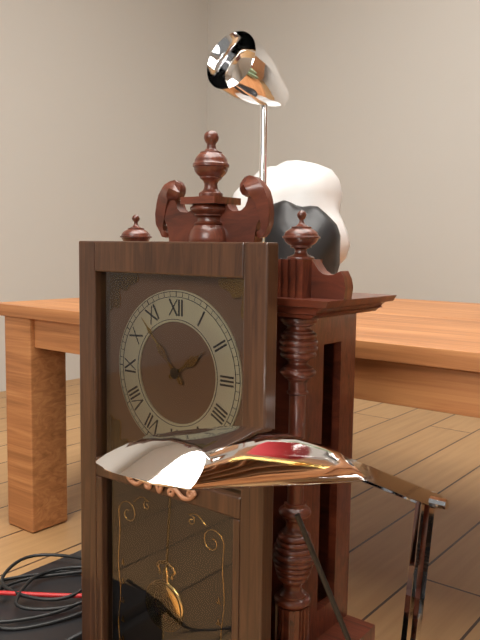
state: 1:53
